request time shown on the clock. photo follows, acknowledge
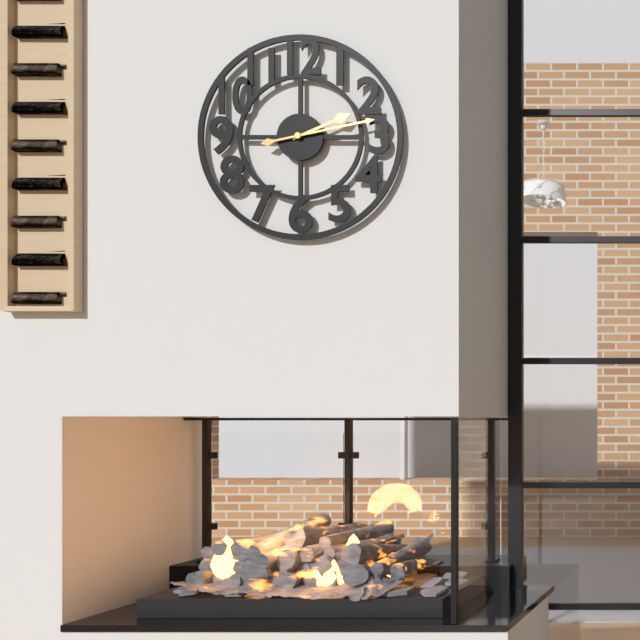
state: 2:13
